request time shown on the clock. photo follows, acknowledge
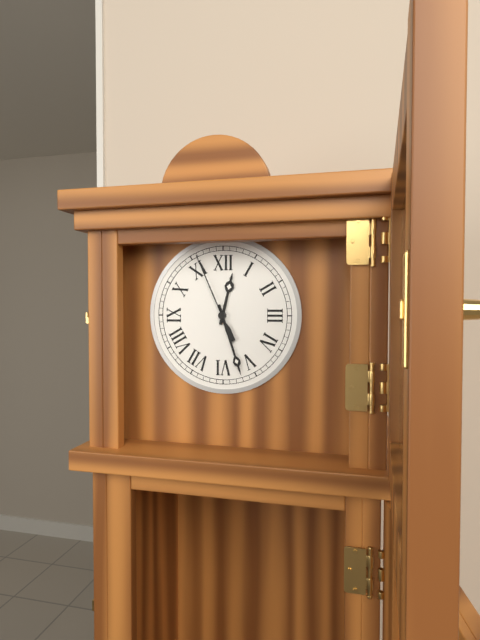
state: 12:27:56
